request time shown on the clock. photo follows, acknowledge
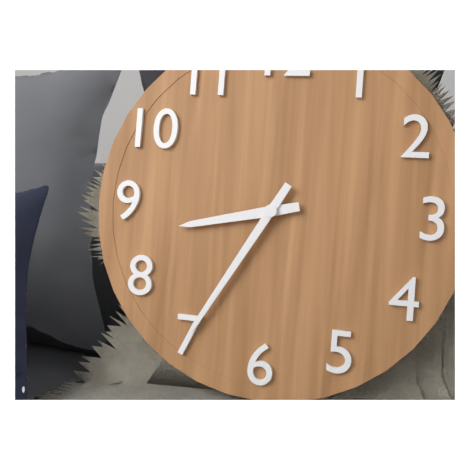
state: 8:35
